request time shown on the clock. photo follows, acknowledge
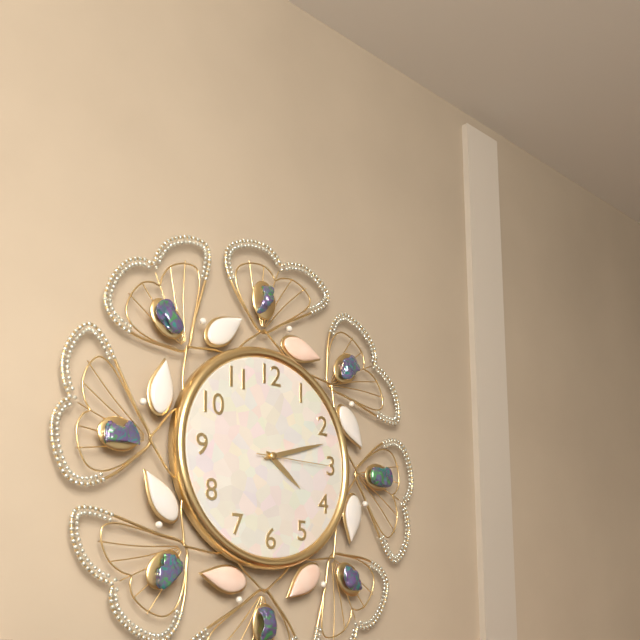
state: 4:12:15
